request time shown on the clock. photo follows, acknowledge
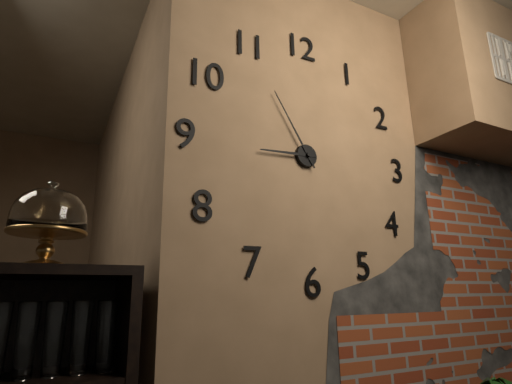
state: 8:55
